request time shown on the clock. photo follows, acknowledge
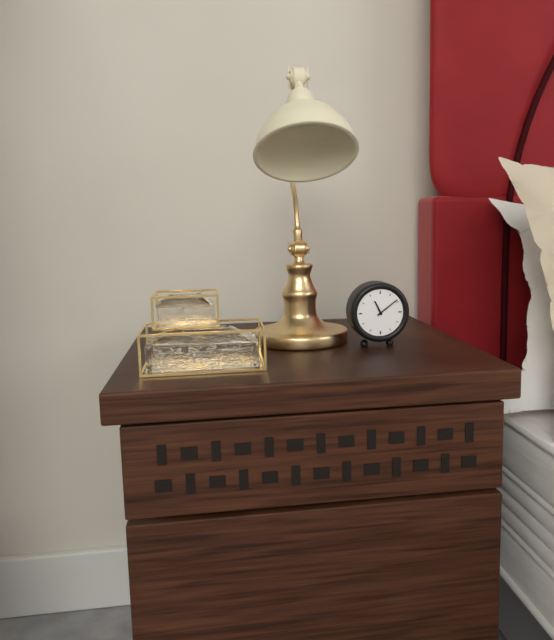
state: 11:09
